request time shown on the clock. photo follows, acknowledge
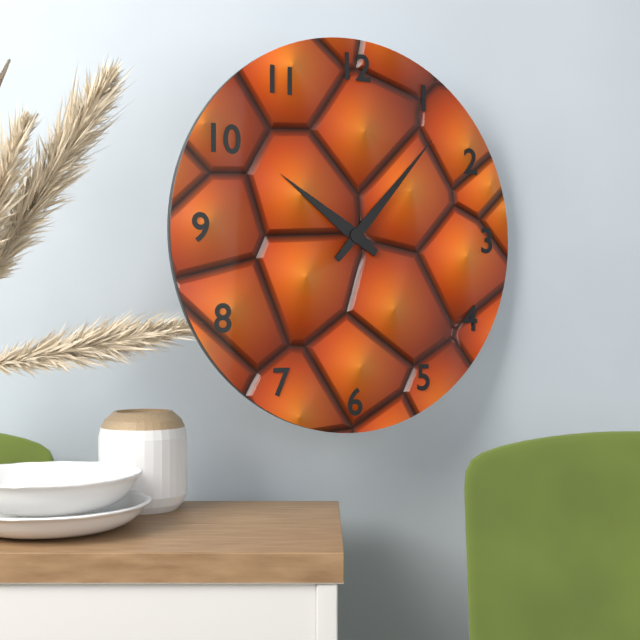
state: 10:07
